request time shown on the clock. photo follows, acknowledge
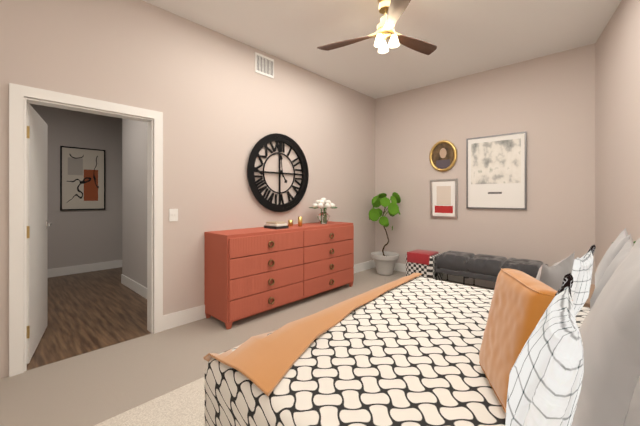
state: 4:59
